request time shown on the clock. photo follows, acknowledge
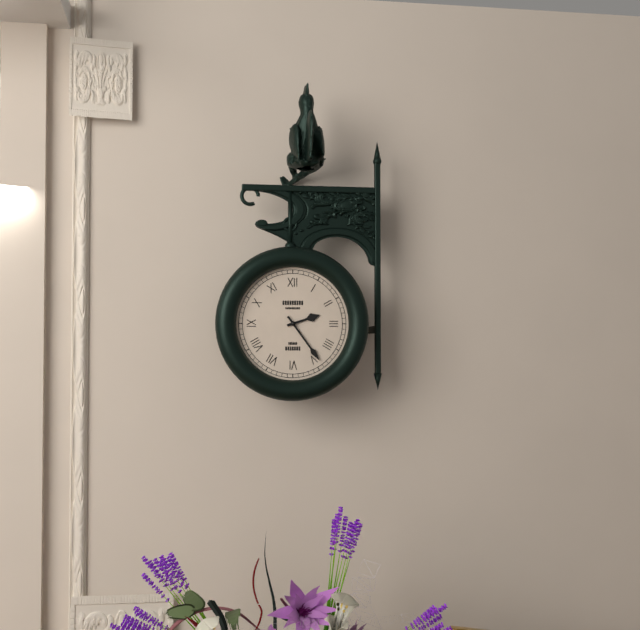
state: 2:24
